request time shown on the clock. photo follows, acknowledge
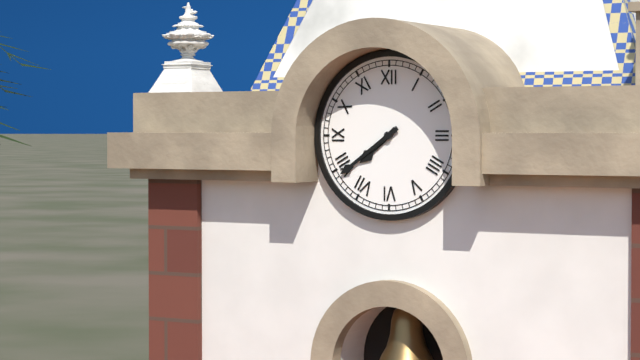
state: 7:39
